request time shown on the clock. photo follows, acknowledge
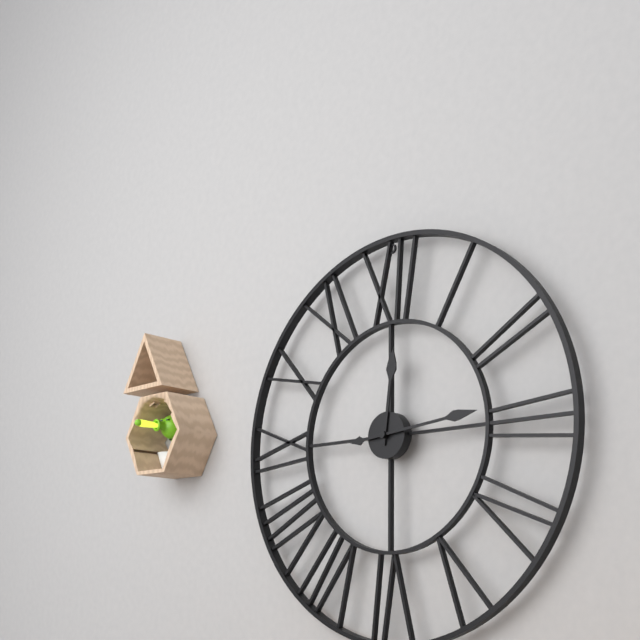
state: 12:14
